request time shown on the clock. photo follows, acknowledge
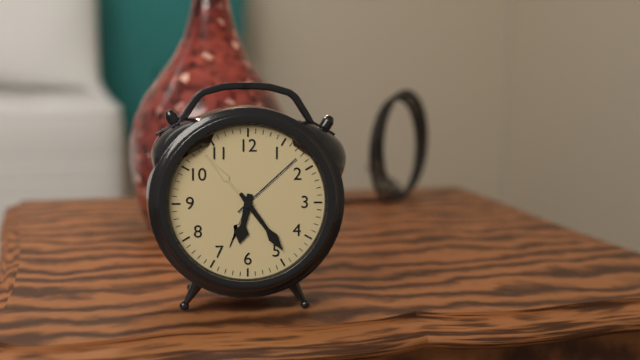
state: 6:24
